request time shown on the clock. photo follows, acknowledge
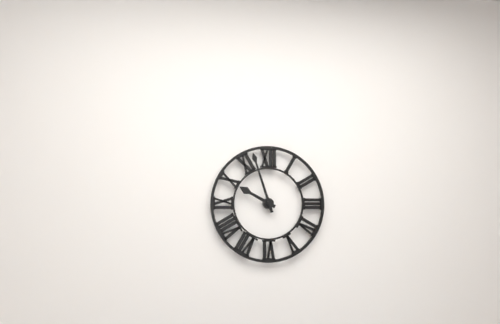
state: 9:57
